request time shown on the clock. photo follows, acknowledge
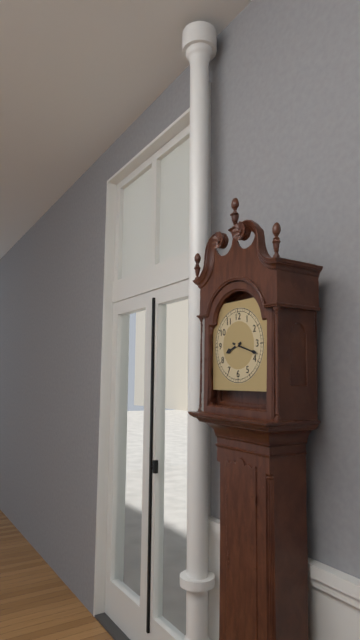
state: 8:18
